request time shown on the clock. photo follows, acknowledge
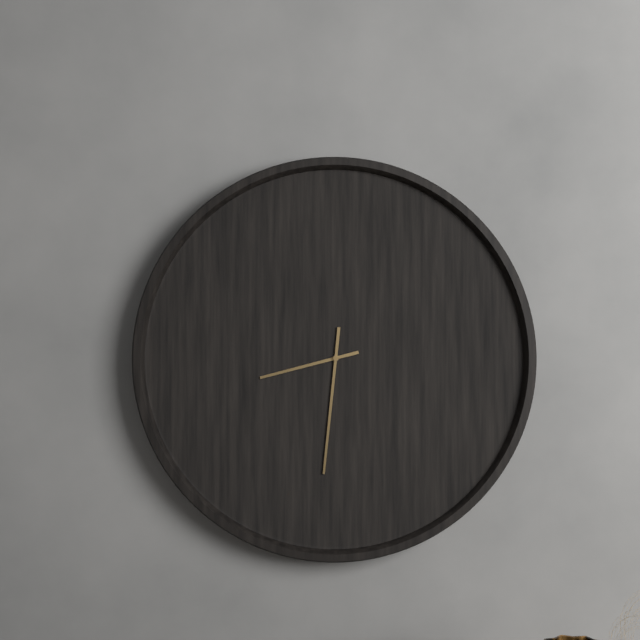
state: 8:31
